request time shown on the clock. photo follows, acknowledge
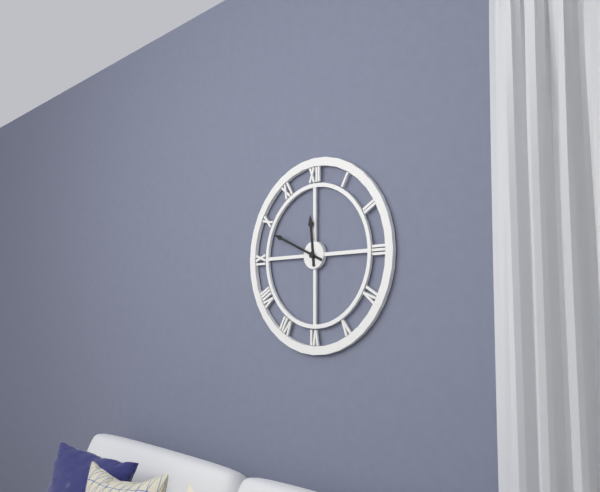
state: 11:49
